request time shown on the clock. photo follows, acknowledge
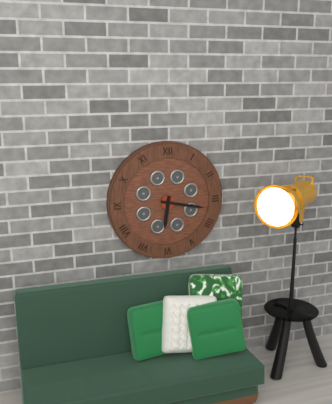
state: 6:17
